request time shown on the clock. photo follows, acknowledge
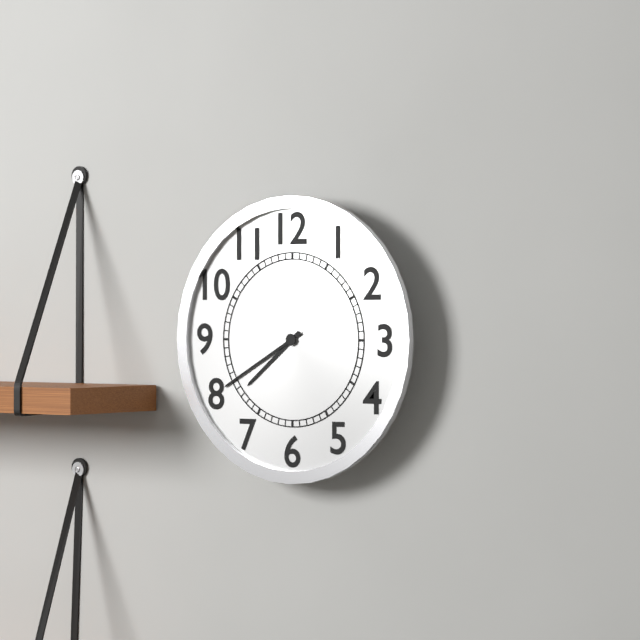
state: 7:40
